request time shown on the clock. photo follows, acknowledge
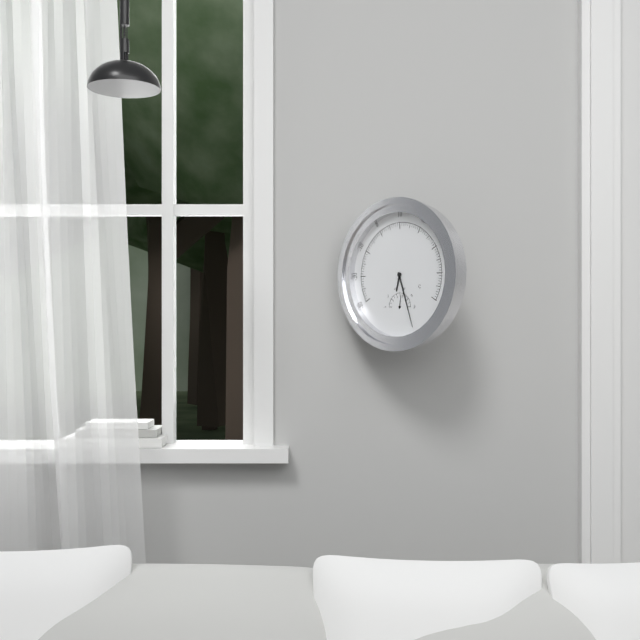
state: 6:27
